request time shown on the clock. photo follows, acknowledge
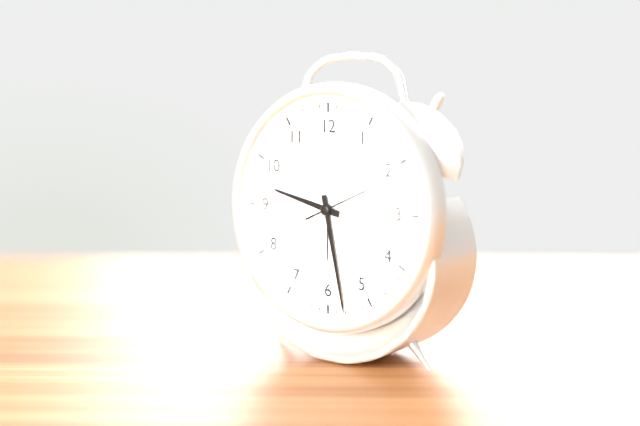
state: 9:28:11
